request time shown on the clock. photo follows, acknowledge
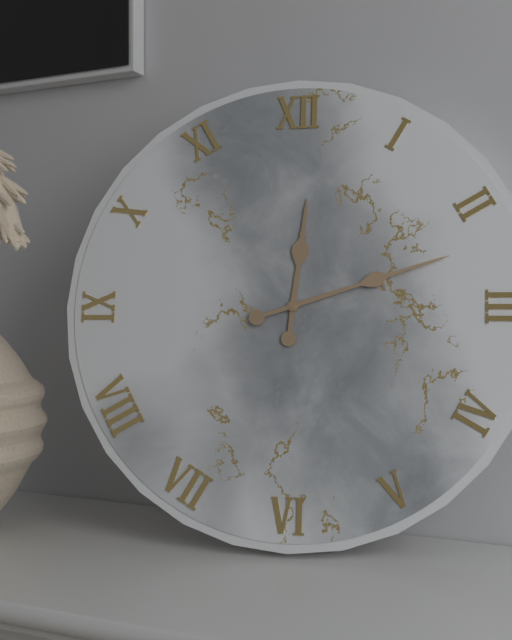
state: 12:12
